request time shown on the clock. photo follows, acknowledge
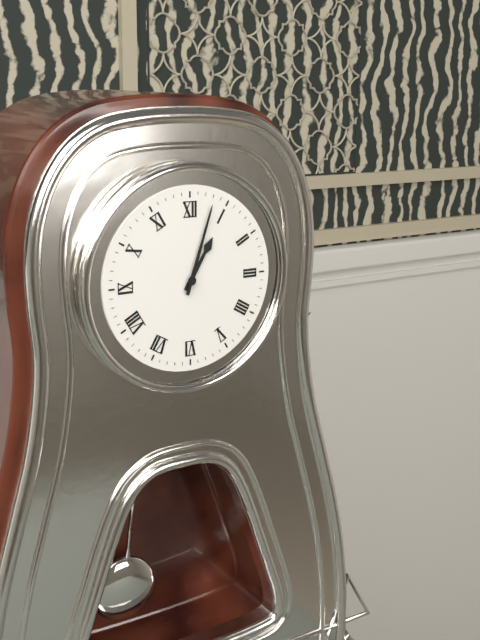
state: 1:03
